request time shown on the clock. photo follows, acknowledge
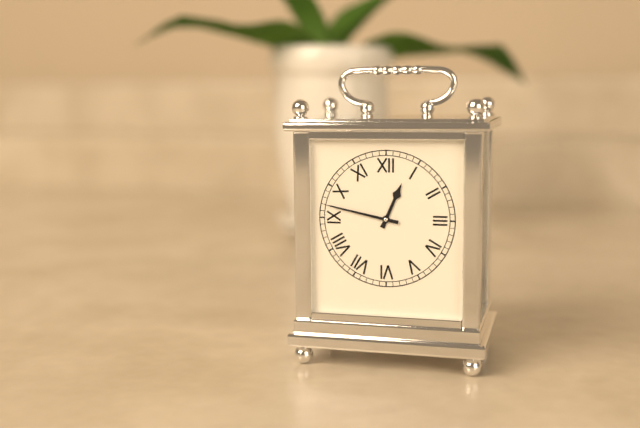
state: 12:47
